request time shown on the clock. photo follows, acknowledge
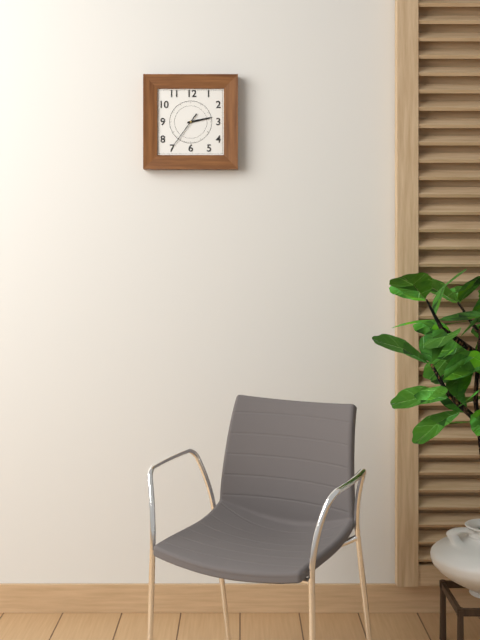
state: 2:36
